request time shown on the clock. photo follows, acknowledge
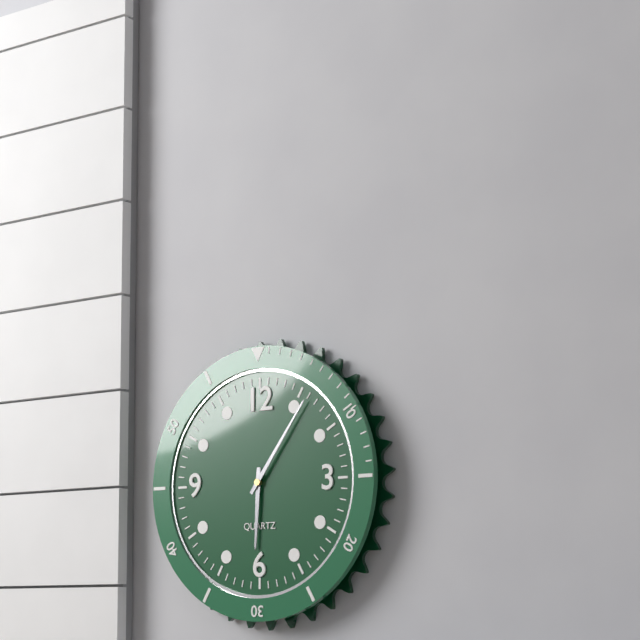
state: 6:06
